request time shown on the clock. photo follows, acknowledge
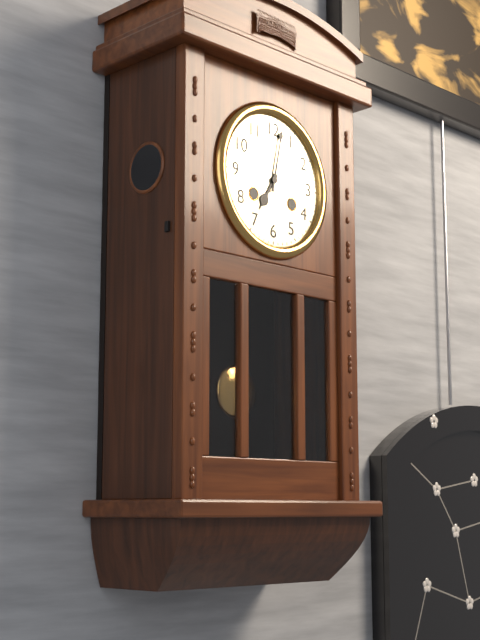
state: 7:02
